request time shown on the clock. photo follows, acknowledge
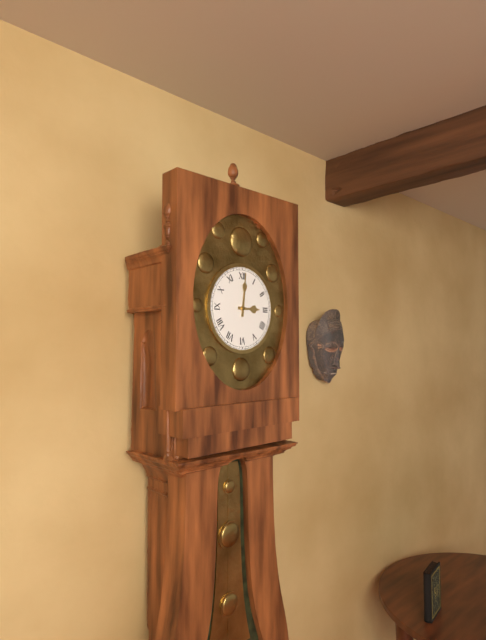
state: 3:01
